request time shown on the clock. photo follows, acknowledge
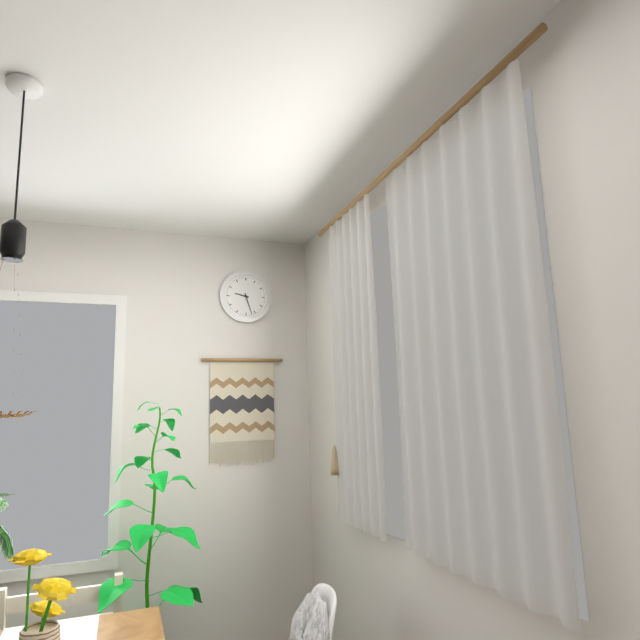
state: 9:27
